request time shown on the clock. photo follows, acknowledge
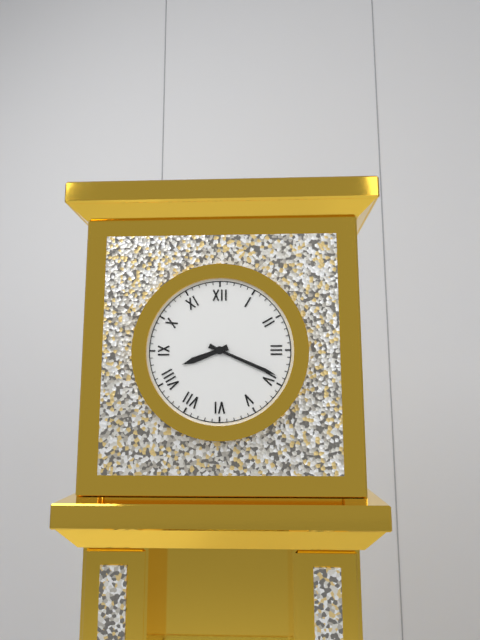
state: 8:19
